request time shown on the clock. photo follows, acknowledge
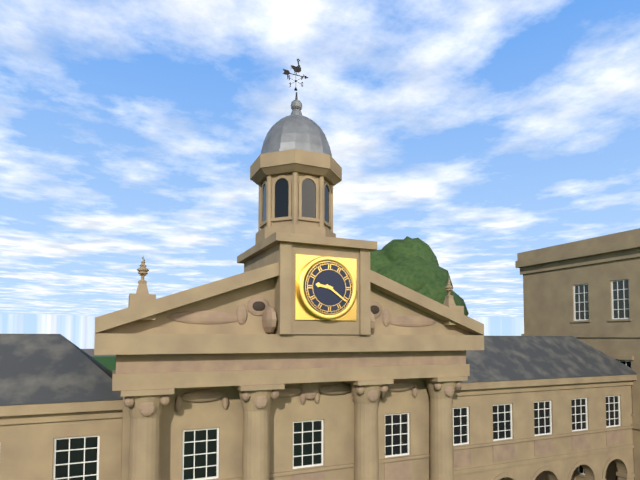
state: 9:21
